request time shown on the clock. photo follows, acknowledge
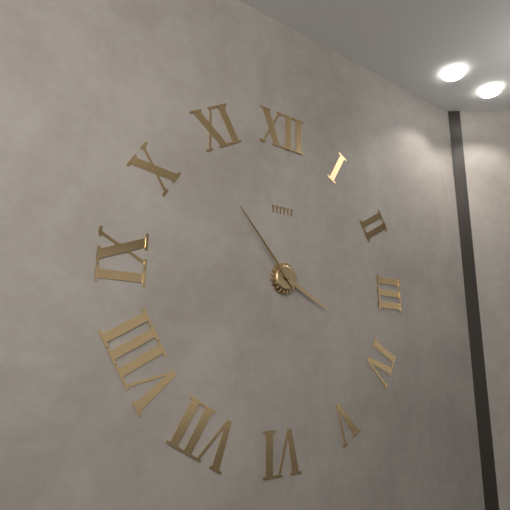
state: 3:53
